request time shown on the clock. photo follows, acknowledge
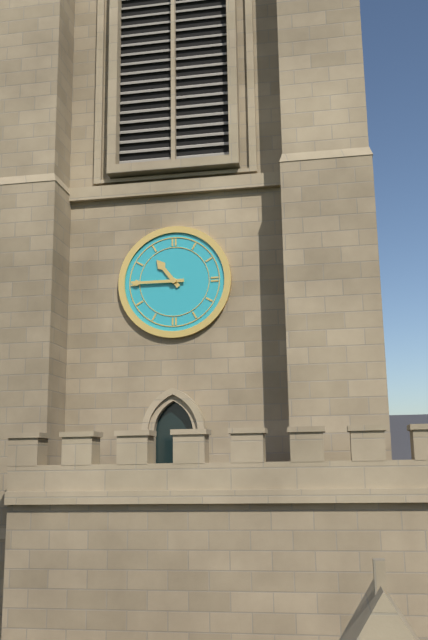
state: 10:45
